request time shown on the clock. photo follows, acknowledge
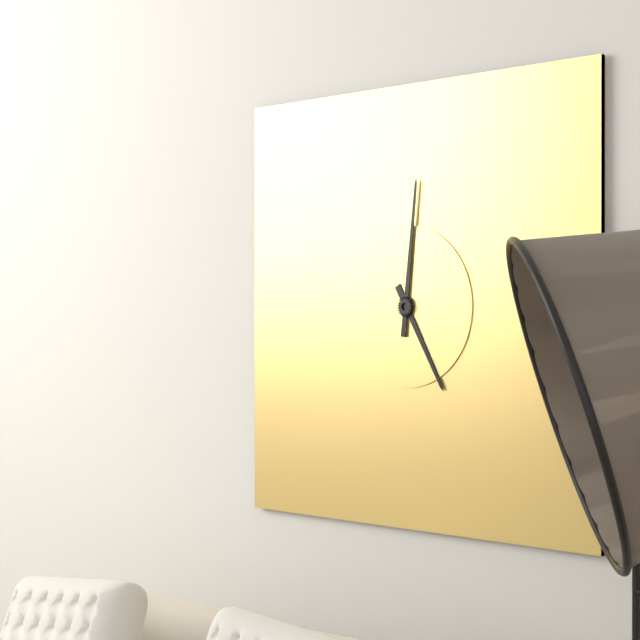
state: 5:01
